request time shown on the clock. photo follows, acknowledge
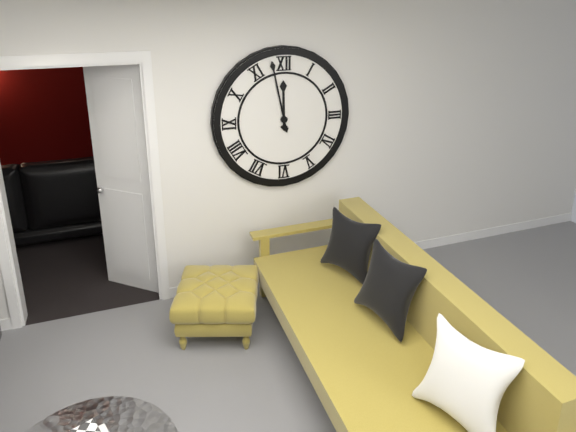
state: 11:58
